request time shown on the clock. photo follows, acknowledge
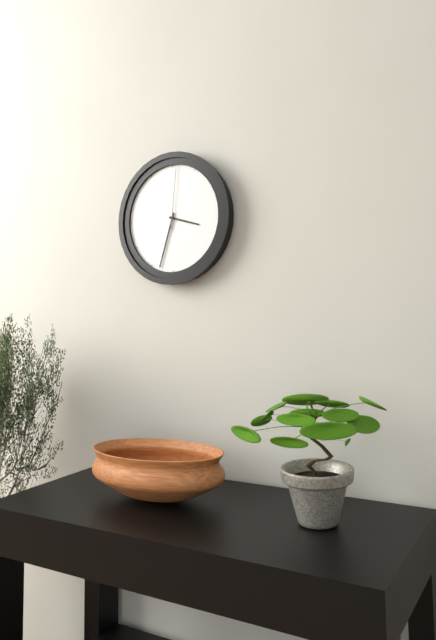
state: 3:33:01
